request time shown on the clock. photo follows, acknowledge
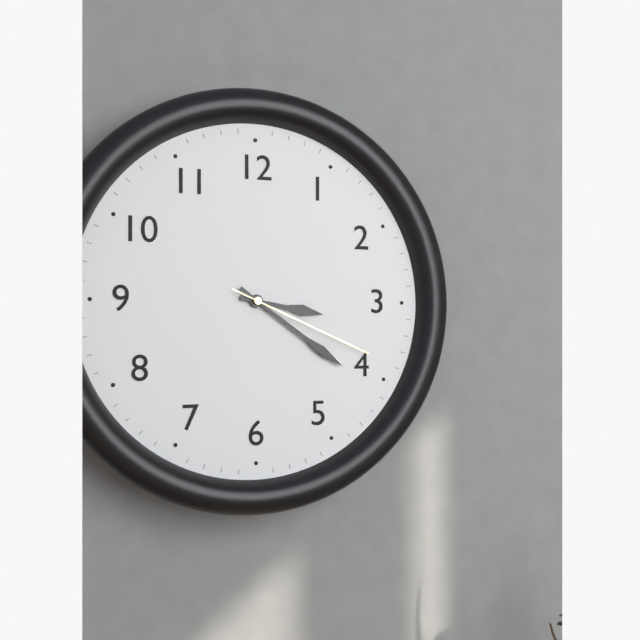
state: 3:21:19
